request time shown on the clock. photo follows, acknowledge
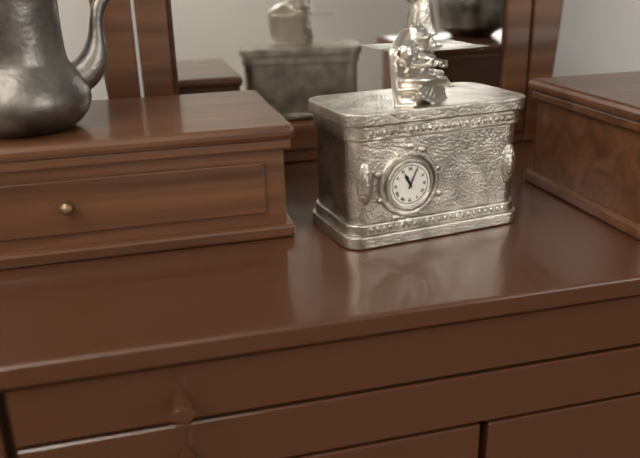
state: 11:04
